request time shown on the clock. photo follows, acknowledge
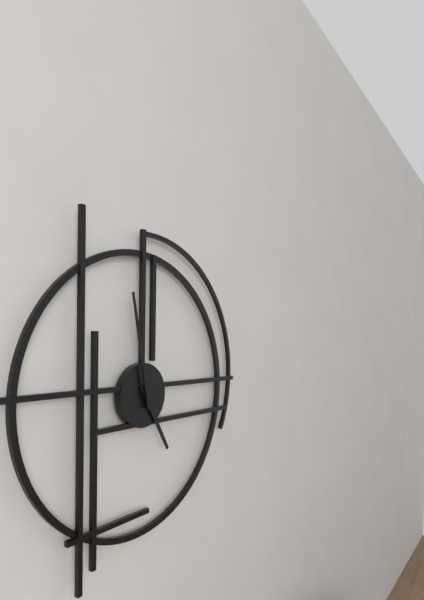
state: 4:58
